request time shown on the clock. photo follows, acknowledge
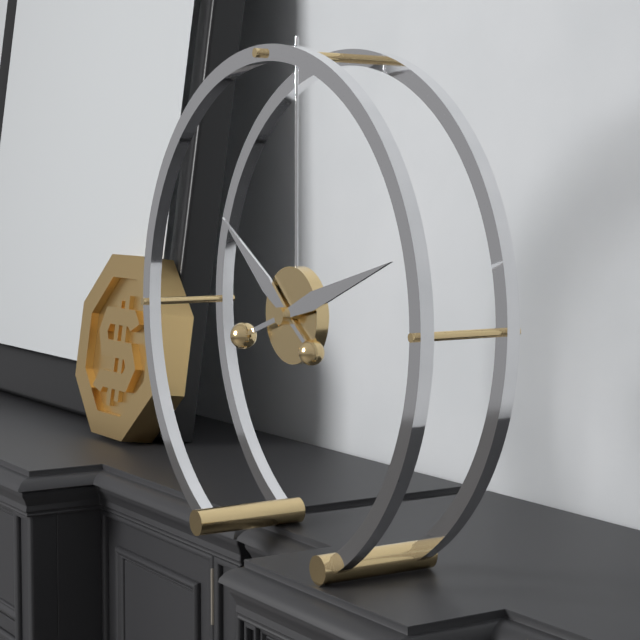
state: 10:12
